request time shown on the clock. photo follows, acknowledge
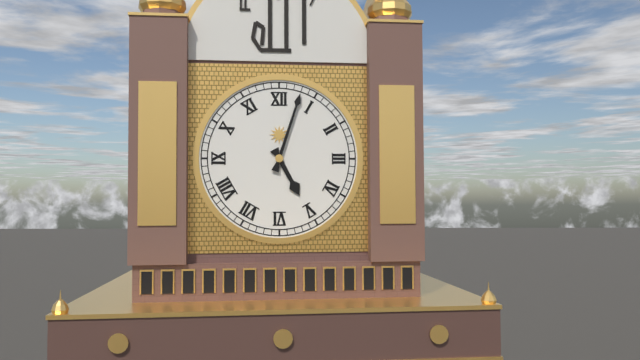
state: 5:03
